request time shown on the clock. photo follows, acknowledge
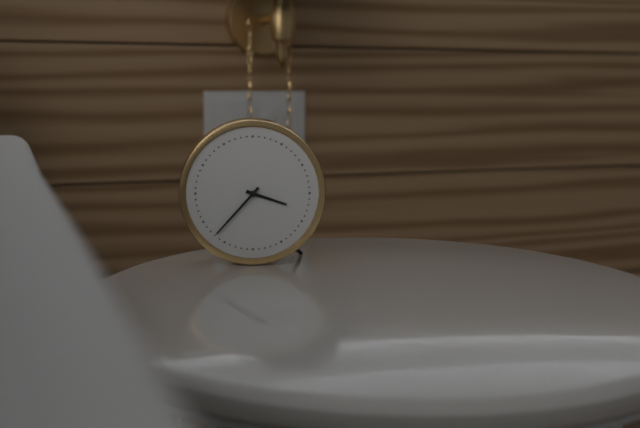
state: 3:37
